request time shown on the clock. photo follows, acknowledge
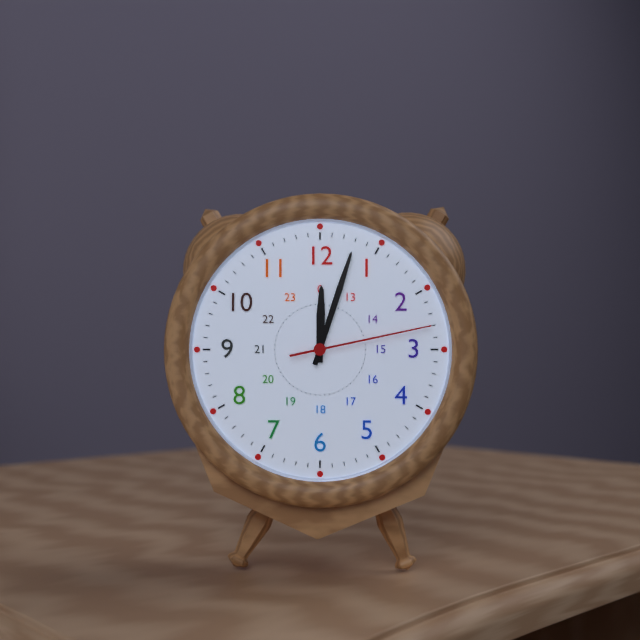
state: 12:03:13
